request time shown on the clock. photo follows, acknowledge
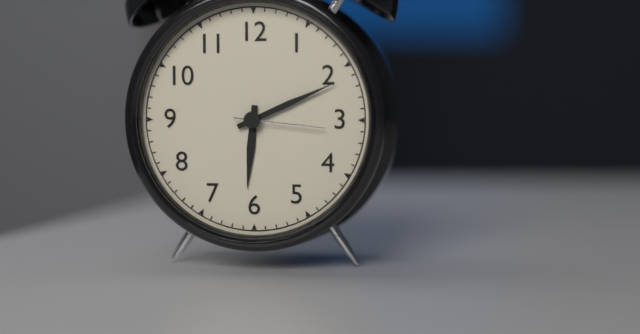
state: 6:11:16
